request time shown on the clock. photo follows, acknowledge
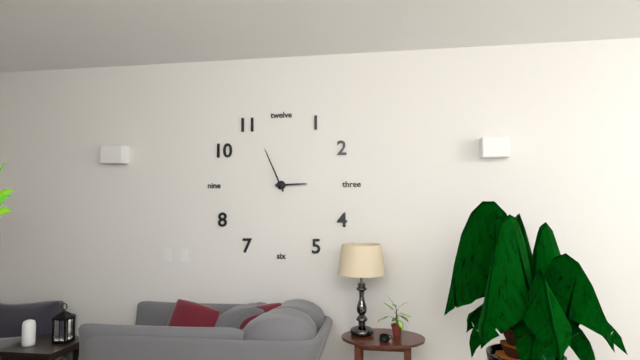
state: 2:56
